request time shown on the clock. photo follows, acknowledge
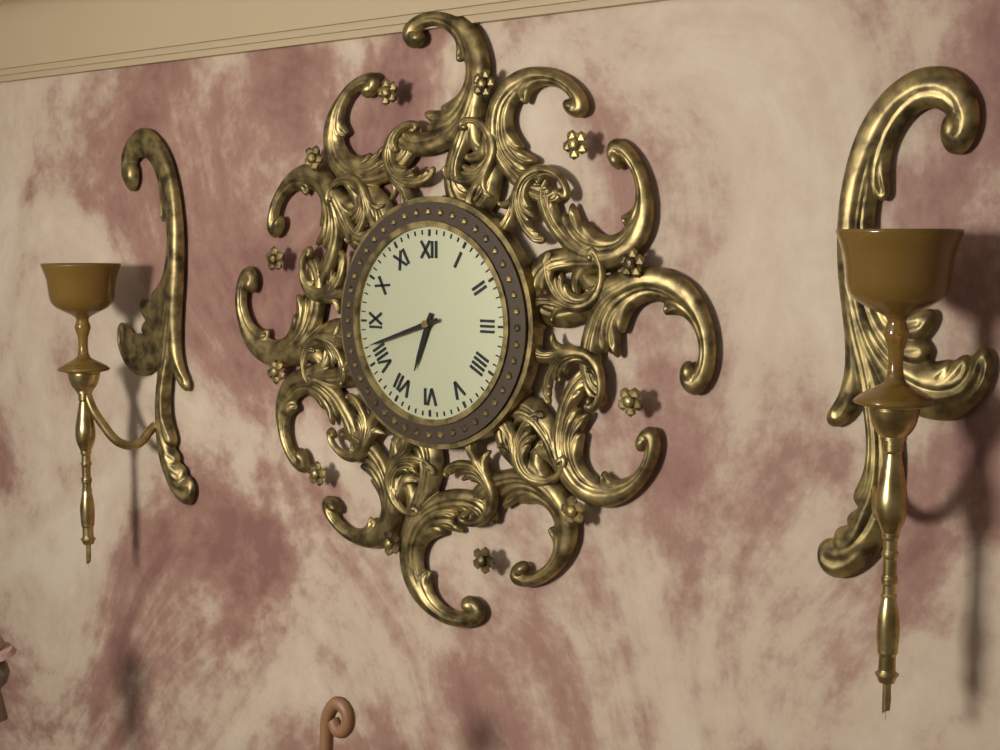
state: 6:42
